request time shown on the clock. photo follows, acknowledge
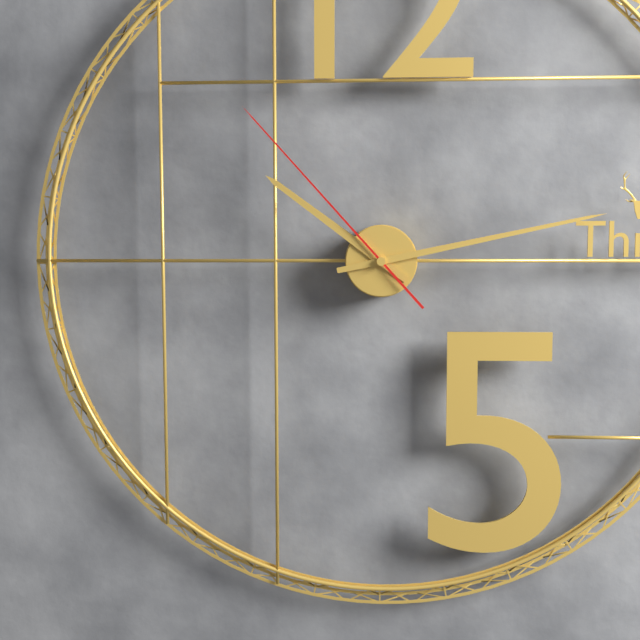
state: 10:13:53
